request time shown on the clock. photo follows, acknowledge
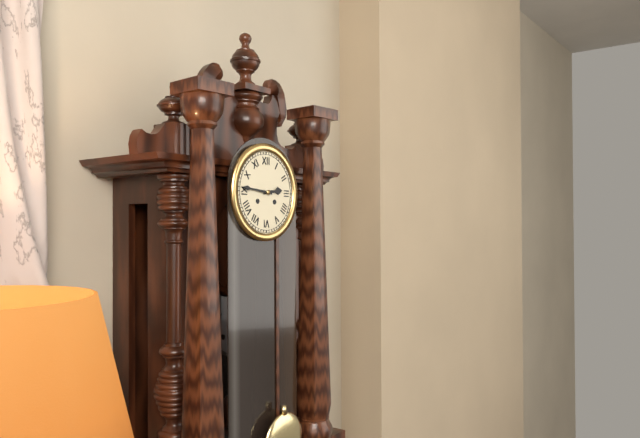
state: 2:46
